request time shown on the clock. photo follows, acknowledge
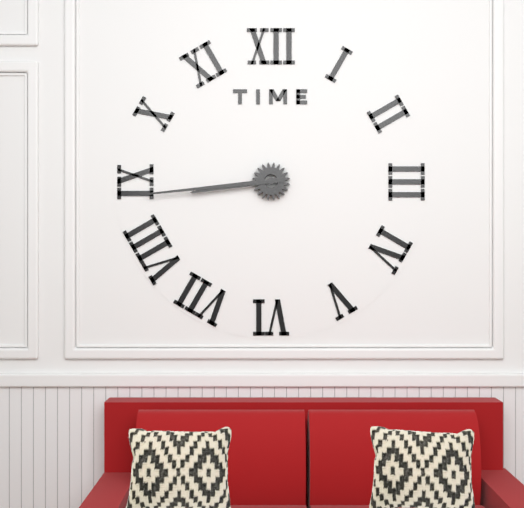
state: 8:44
